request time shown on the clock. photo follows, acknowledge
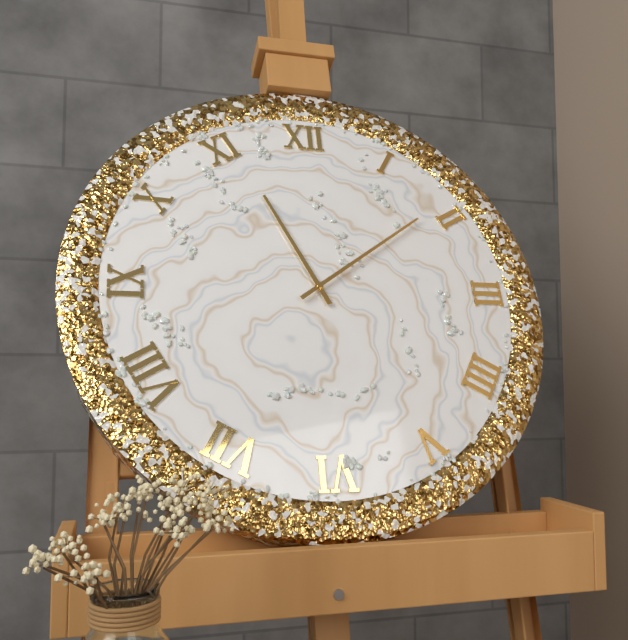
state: 11:09
